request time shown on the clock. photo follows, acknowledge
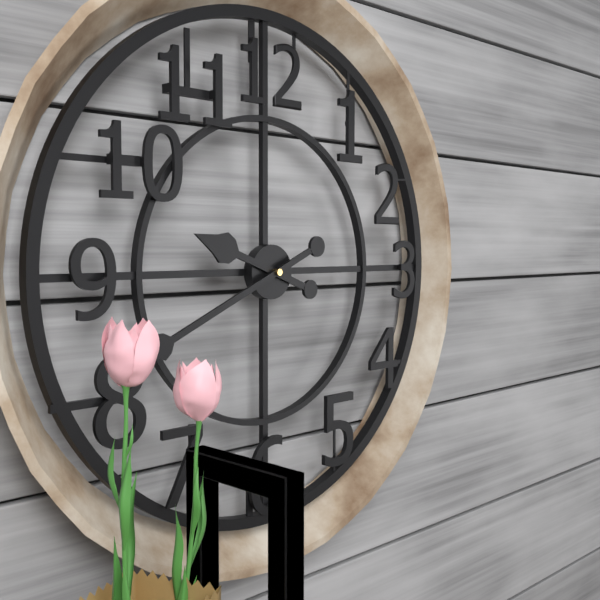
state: 9:41
